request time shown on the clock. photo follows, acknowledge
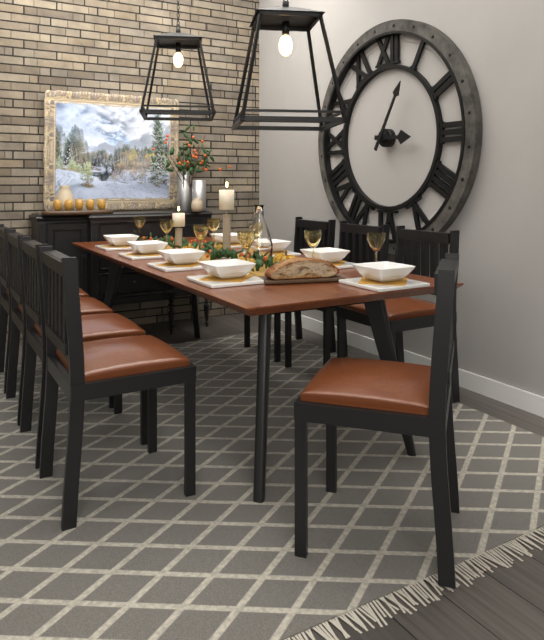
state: 3:05
